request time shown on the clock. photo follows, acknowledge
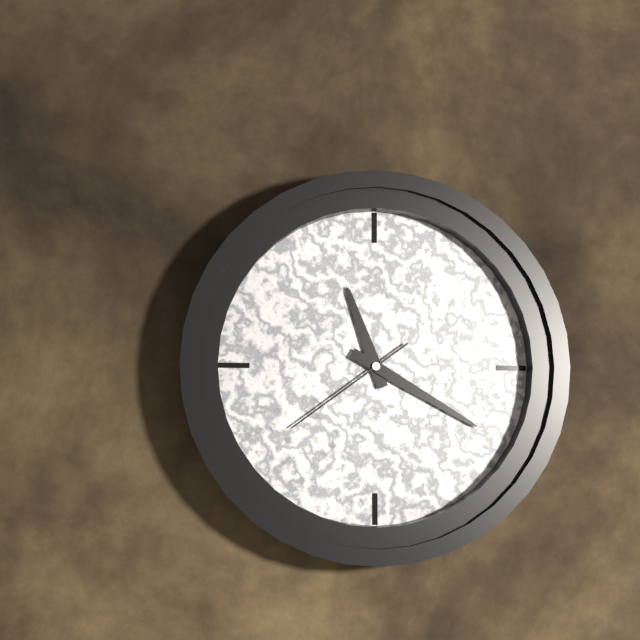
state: 11:20:39
